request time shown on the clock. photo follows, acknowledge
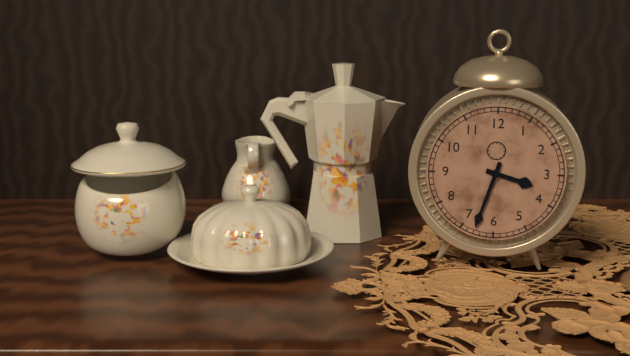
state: 3:33
